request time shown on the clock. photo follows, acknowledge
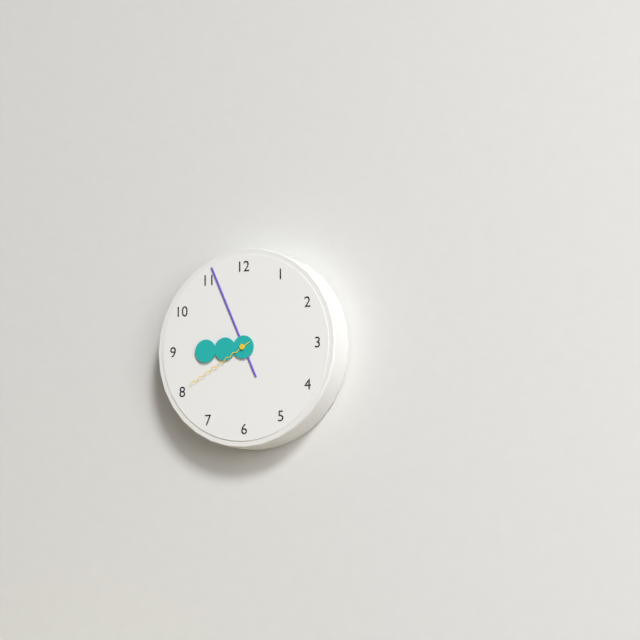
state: 8:56:40
